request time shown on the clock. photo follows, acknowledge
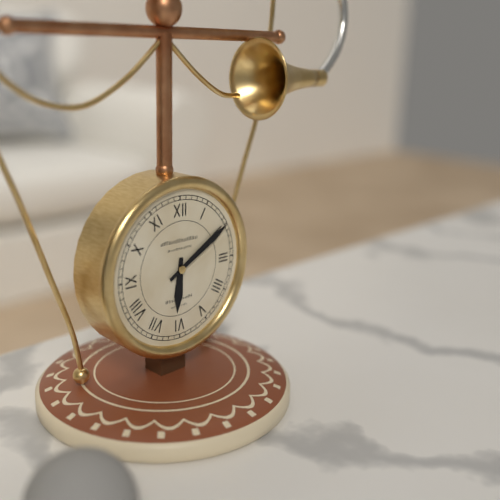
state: 6:10
